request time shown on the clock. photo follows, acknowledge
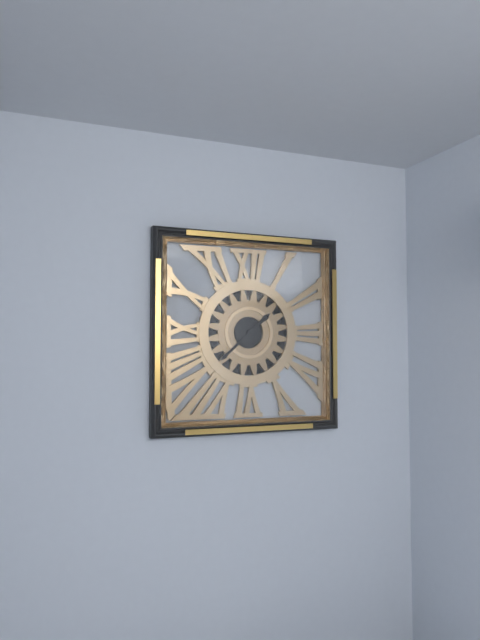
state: 1:38
